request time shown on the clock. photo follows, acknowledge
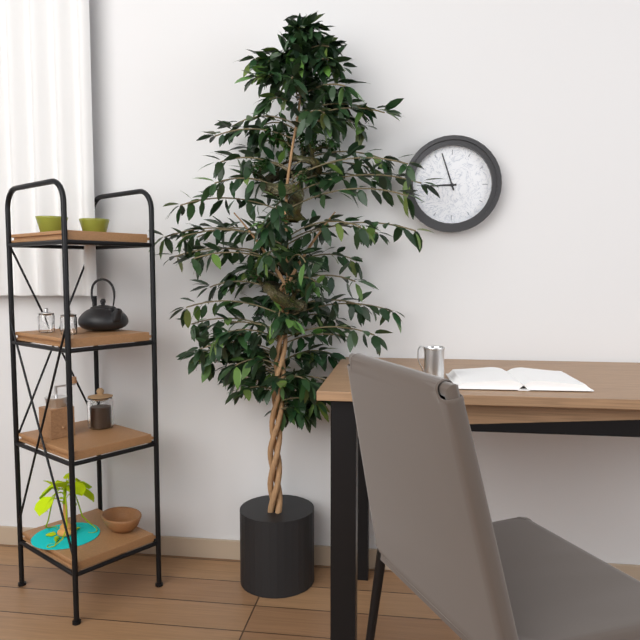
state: 8:57
